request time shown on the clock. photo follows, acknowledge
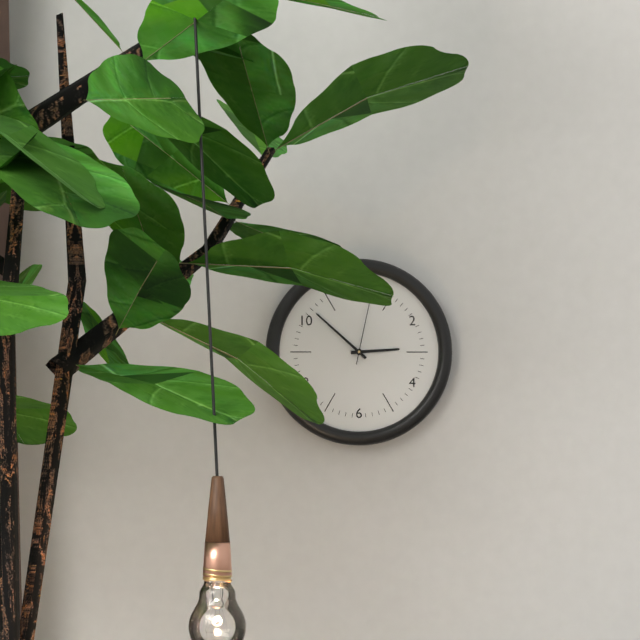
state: 2:52:02
